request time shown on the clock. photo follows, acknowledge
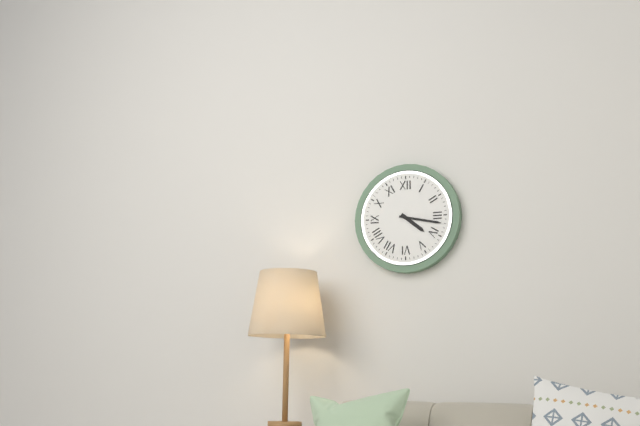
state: 4:17
